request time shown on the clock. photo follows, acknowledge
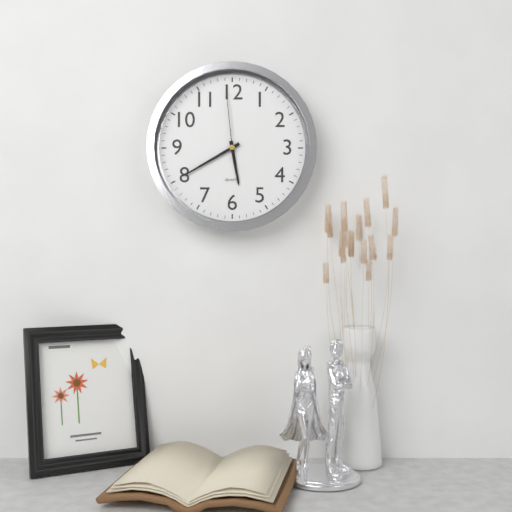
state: 5:40:59
